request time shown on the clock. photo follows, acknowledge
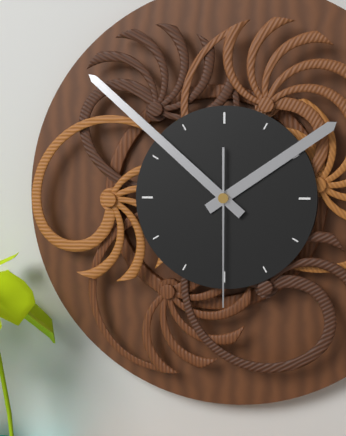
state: 1:52:30
